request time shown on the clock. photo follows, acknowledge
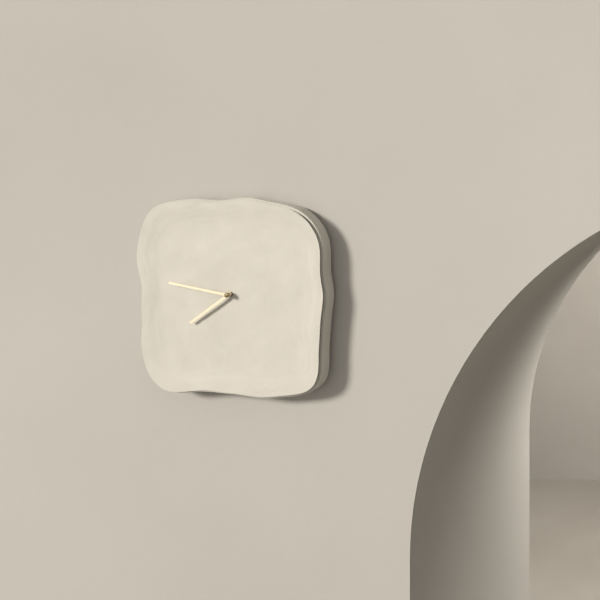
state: 7:47
